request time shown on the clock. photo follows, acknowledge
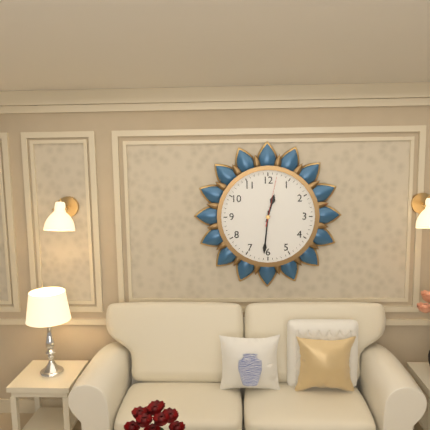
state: 12:31:02
